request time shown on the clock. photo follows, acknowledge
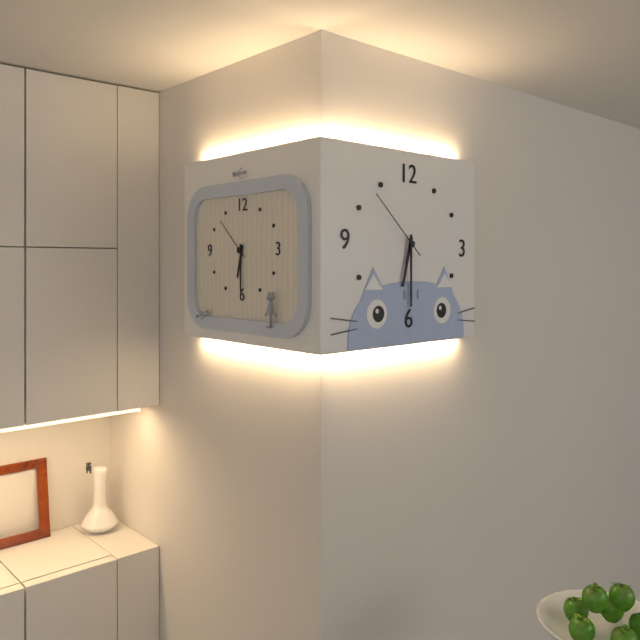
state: 6:30:52
